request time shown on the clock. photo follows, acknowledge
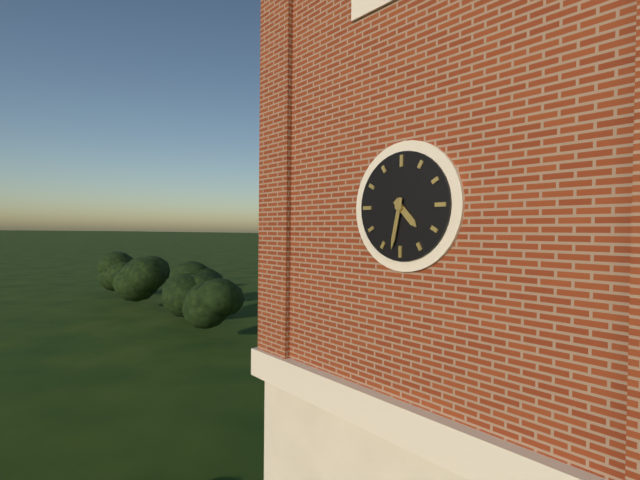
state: 4:32
